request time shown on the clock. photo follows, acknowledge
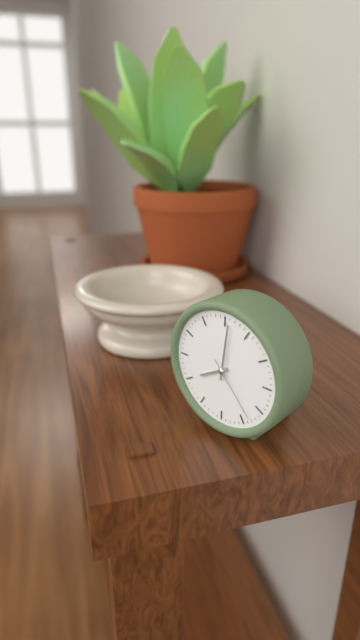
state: 8:01:23
